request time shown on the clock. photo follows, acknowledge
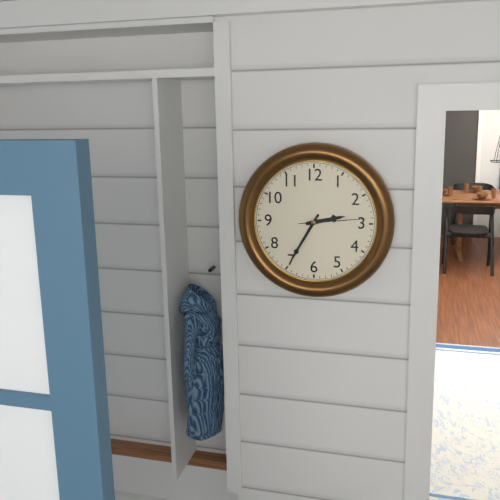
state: 2:35:14
